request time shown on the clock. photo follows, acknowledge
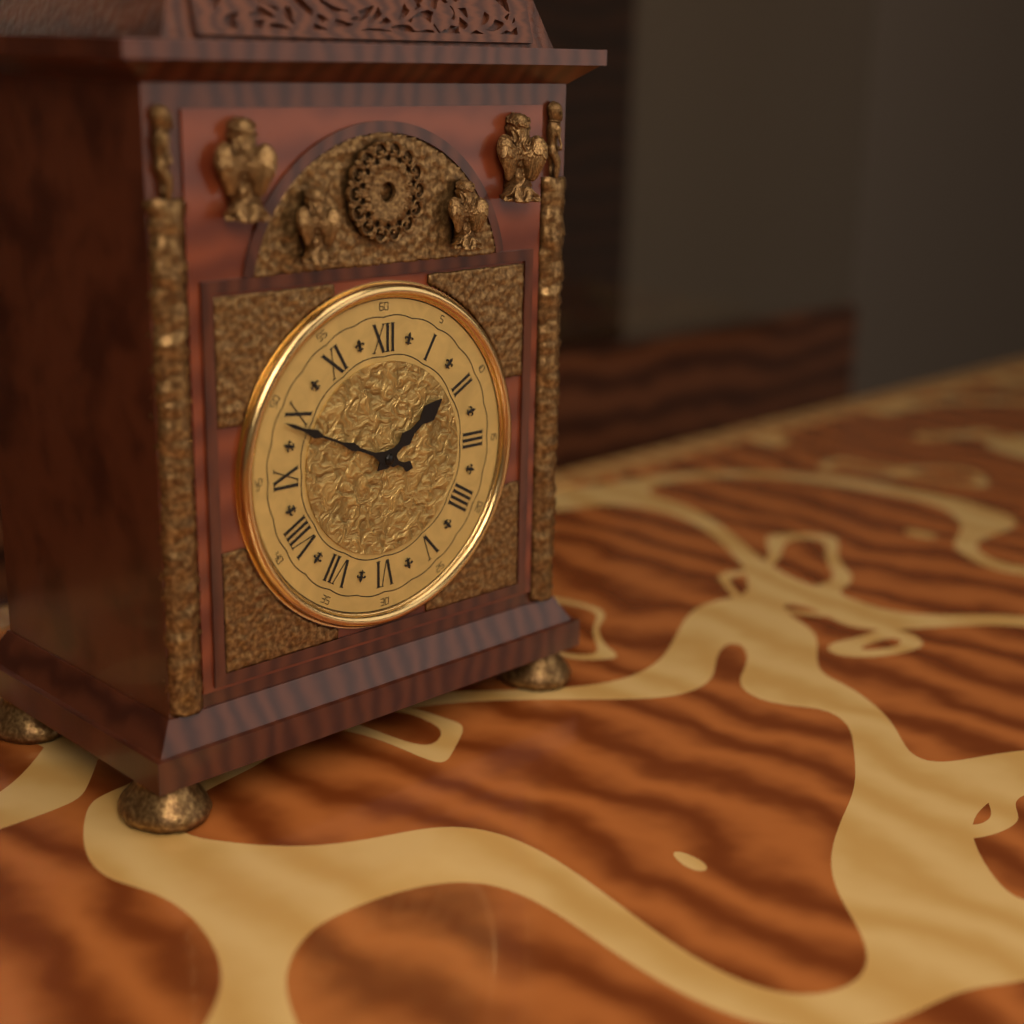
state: 1:49
